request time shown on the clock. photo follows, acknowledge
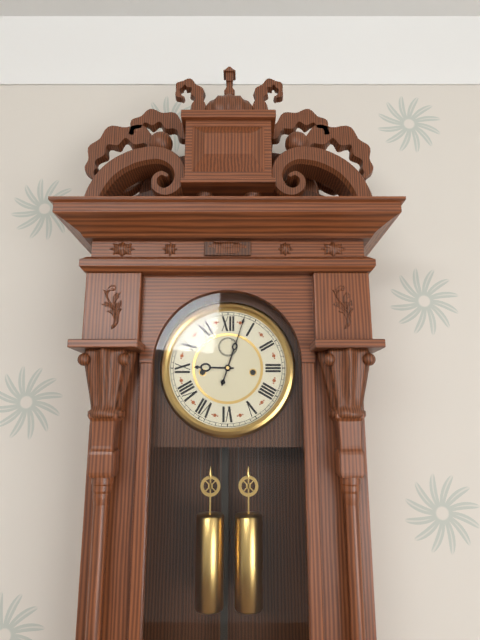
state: 9:03
